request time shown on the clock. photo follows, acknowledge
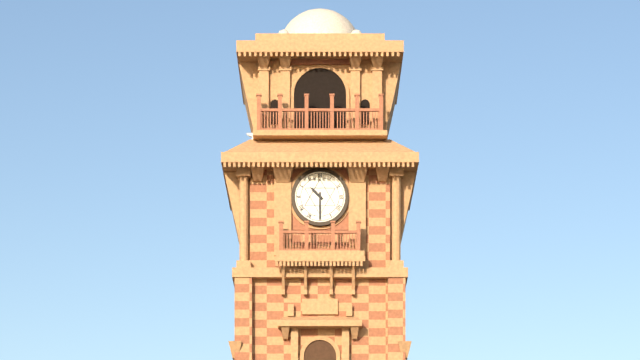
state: 10:30
